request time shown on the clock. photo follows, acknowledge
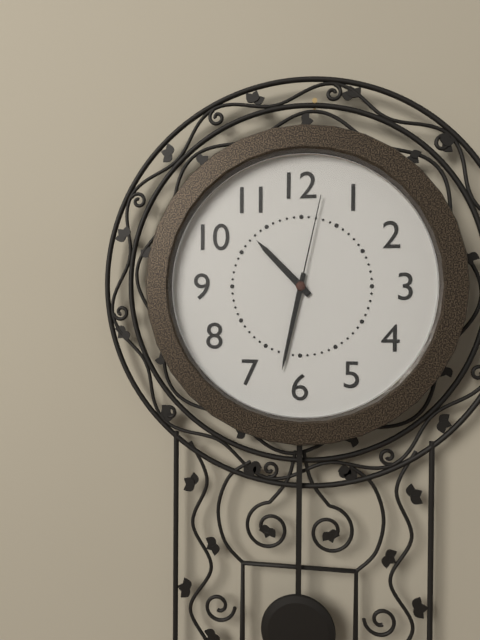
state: 10:32:02
